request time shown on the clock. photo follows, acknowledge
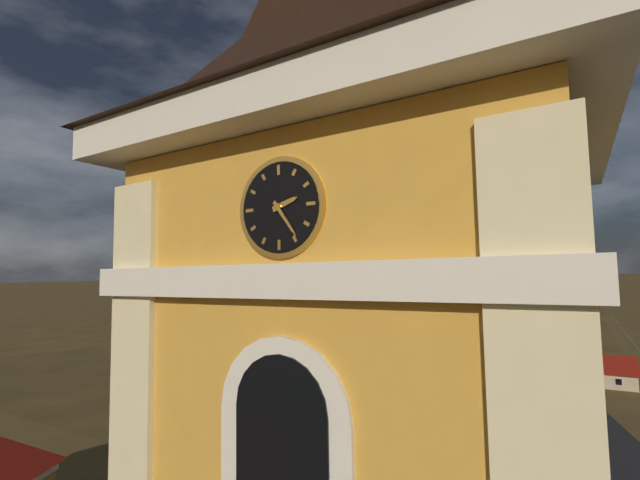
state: 2:24
